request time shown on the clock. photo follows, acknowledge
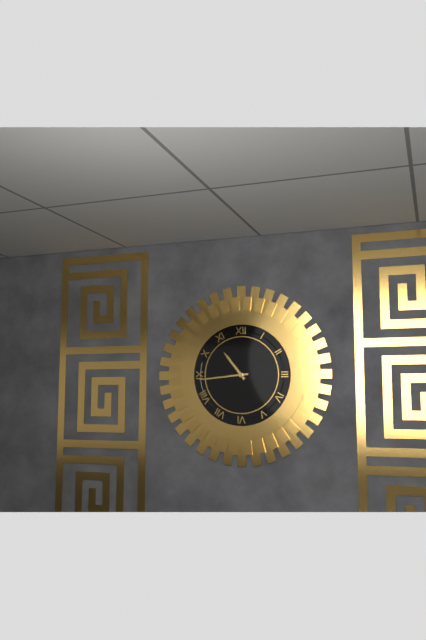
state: 10:44
